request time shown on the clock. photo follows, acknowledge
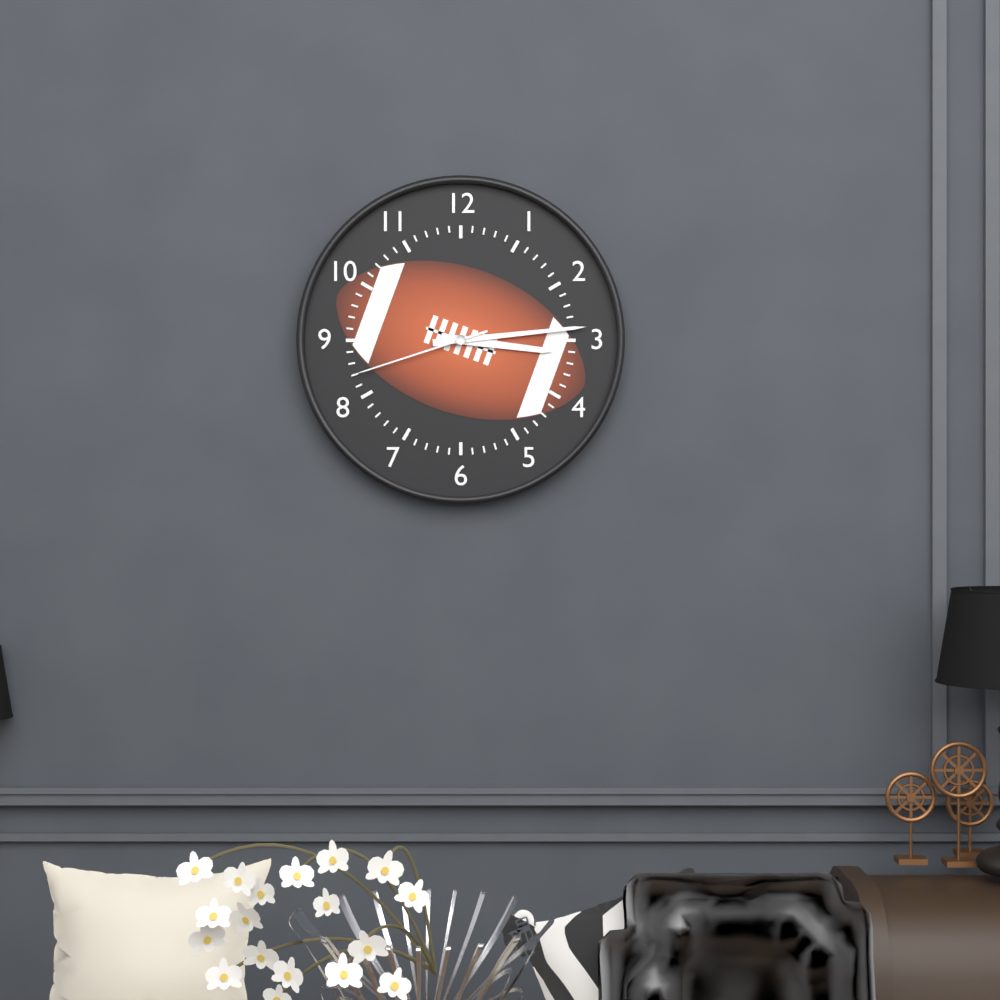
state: 3:14:42
